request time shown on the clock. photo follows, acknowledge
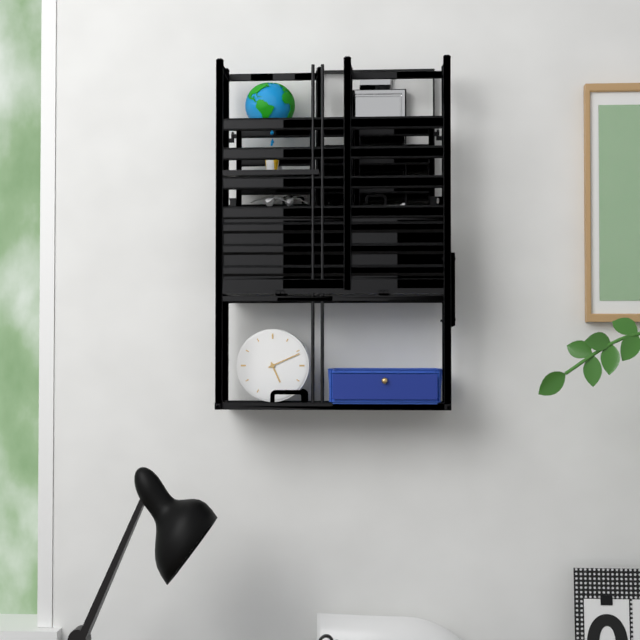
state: 5:11
